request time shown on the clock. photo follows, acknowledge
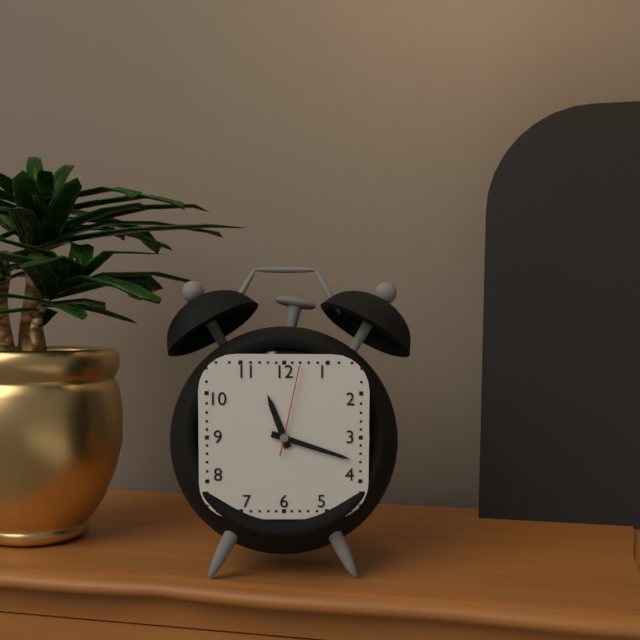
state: 11:18:02
